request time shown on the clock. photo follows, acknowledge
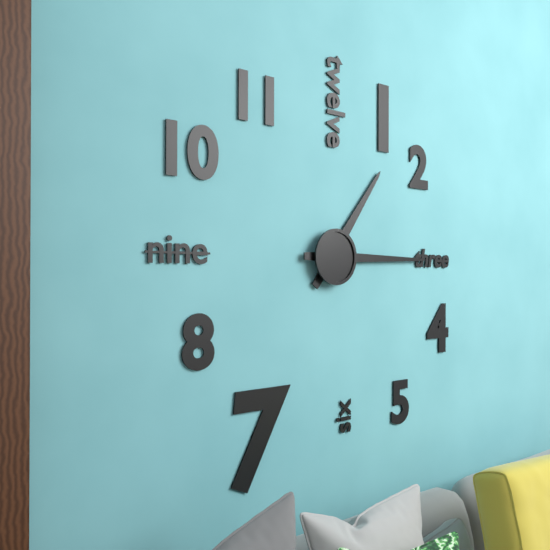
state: 1:15
